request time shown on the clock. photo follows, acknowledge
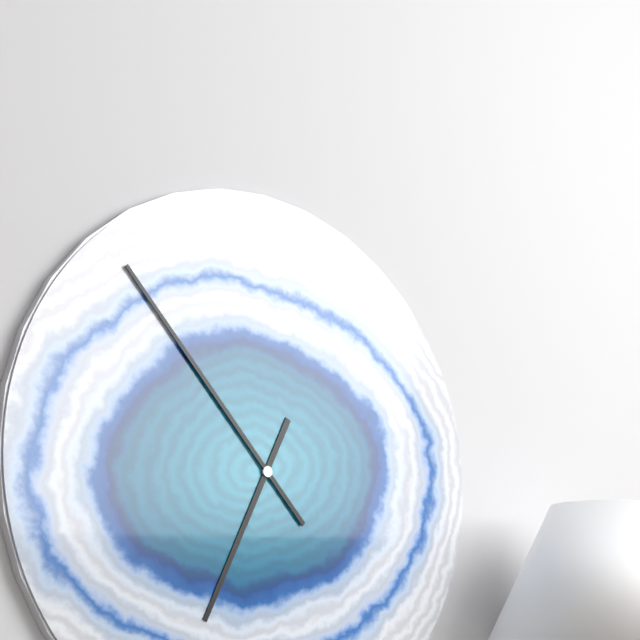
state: 6:53
